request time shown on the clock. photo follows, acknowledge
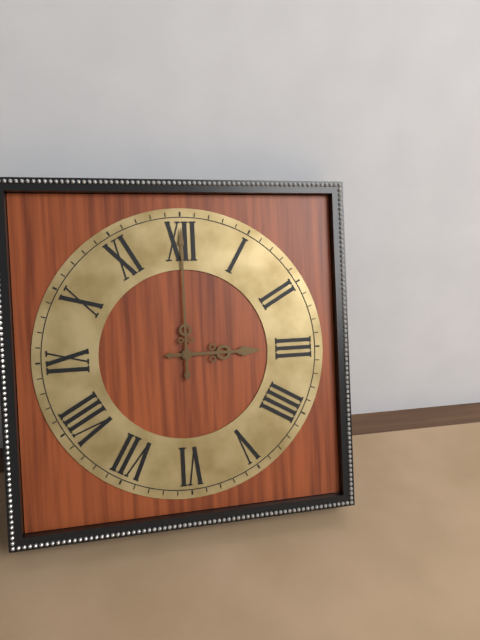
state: 3:00
